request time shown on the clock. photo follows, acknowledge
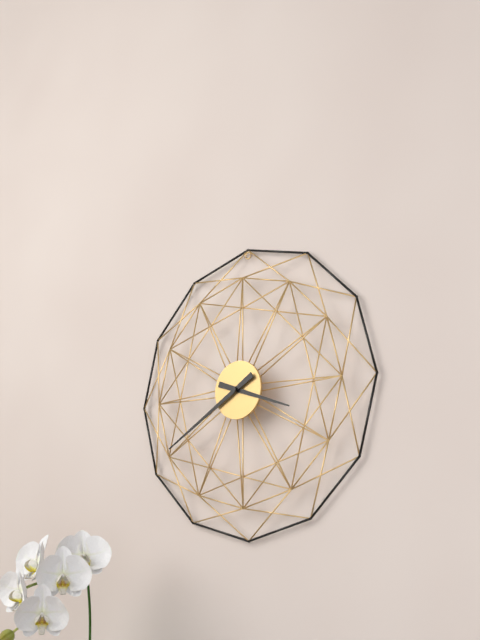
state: 3:40
